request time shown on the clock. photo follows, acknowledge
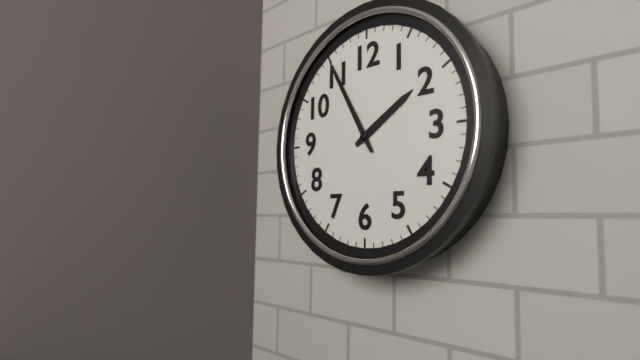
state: 1:55
